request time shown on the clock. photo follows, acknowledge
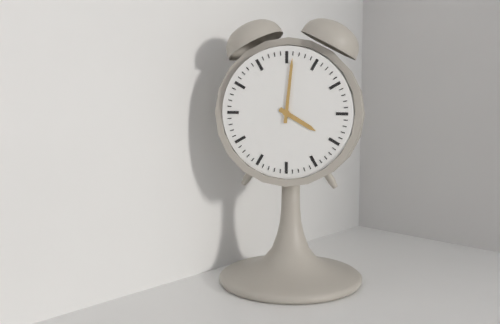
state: 4:01
